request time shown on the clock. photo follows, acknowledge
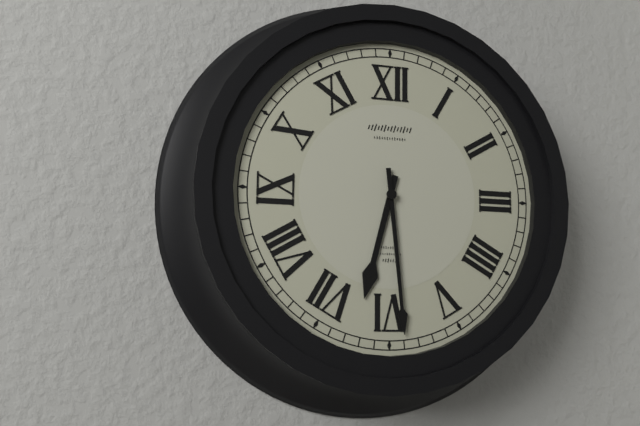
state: 6:29
